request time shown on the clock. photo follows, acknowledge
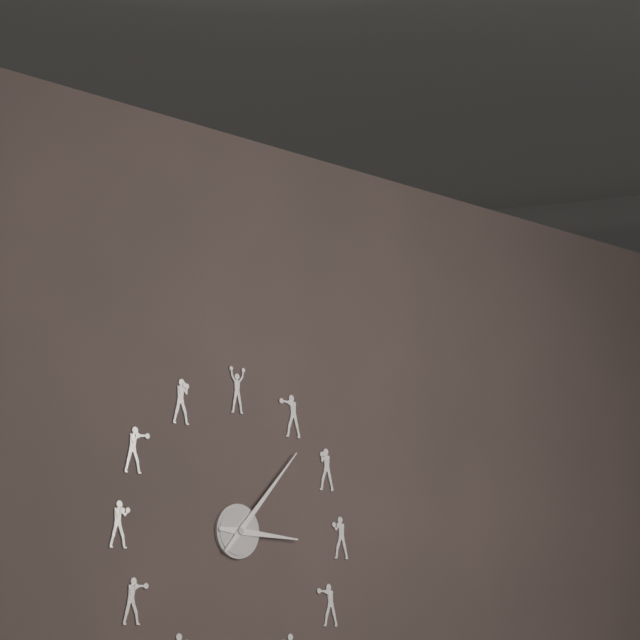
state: 3:07
